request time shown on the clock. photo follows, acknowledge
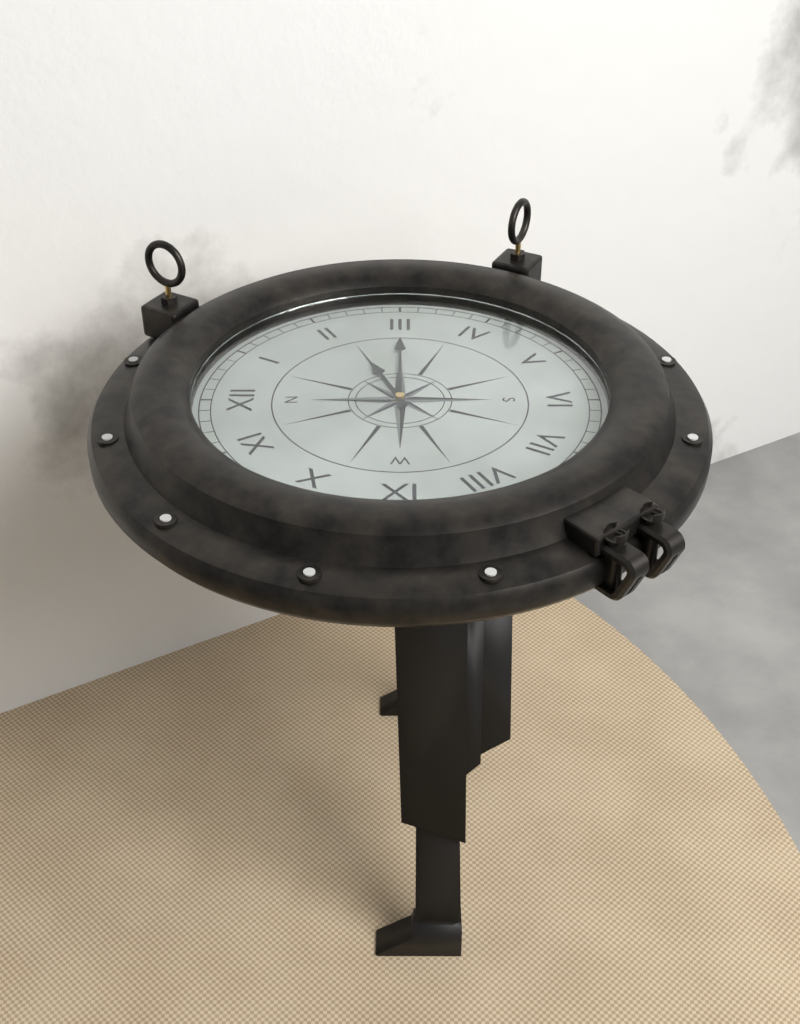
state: 2:15
